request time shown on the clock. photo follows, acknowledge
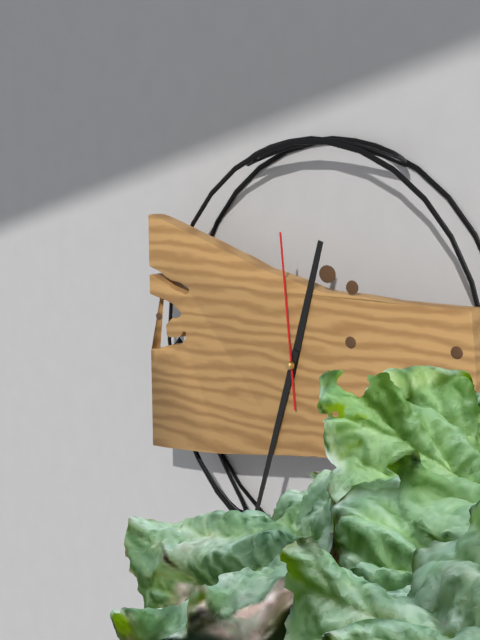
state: 12:33:59
